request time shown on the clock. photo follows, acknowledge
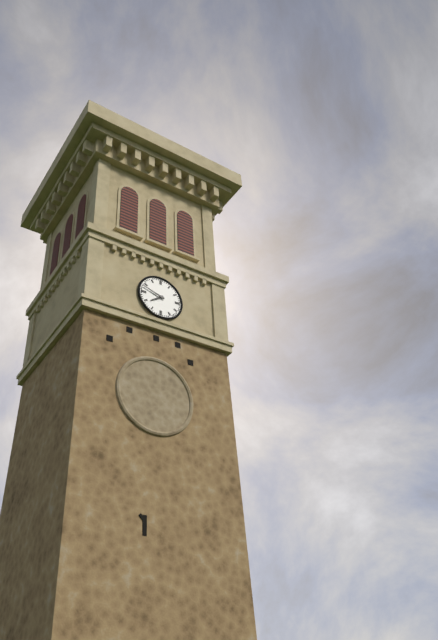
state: 7:48
